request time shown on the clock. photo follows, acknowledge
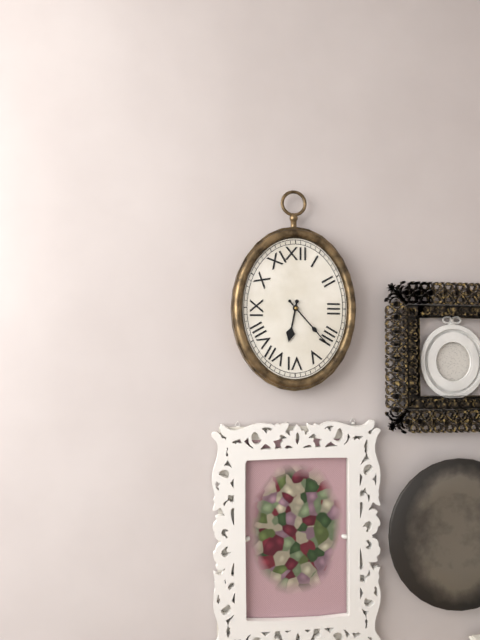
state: 6:23
